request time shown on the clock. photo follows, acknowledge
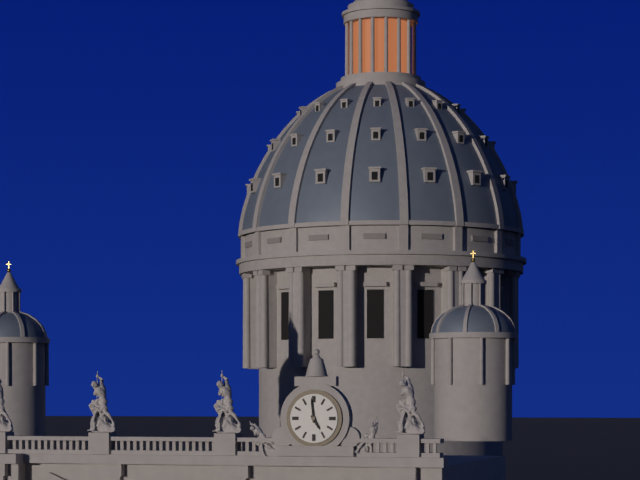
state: 4:59
